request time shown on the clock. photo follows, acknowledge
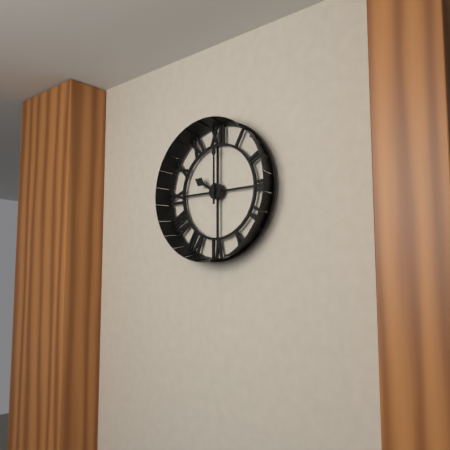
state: 10:00
